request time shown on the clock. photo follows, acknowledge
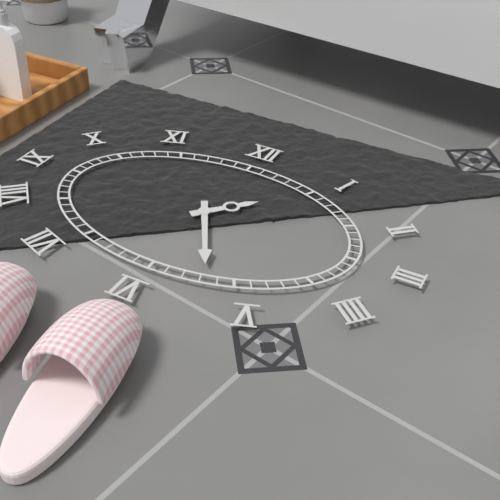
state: 1:25
